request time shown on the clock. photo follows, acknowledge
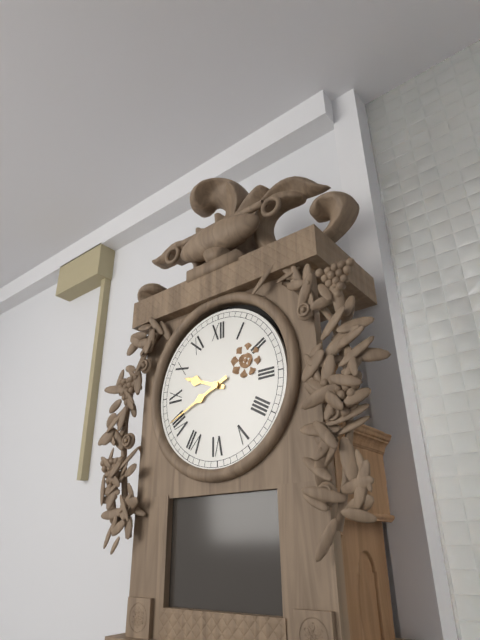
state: 9:41
